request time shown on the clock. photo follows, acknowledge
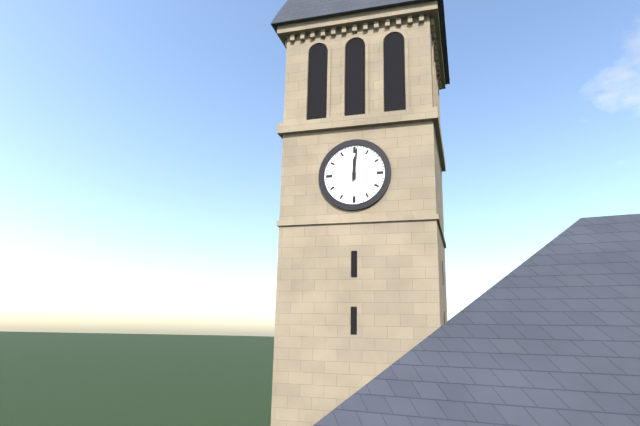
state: 12:01
